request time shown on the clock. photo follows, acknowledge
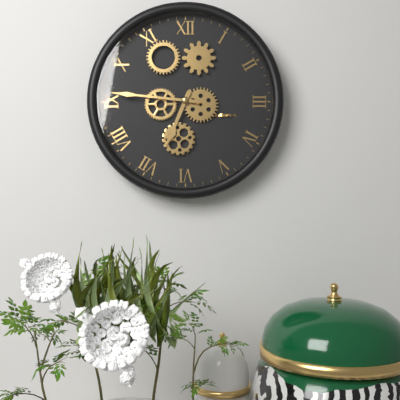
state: 6:46
